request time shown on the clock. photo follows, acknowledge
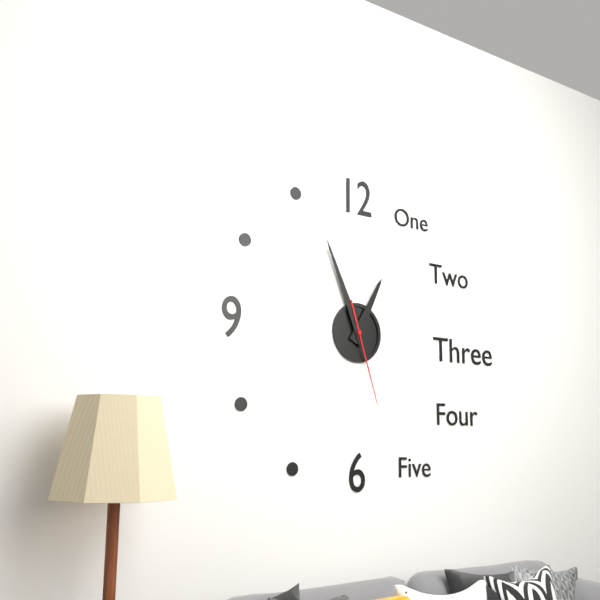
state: 12:56:27
